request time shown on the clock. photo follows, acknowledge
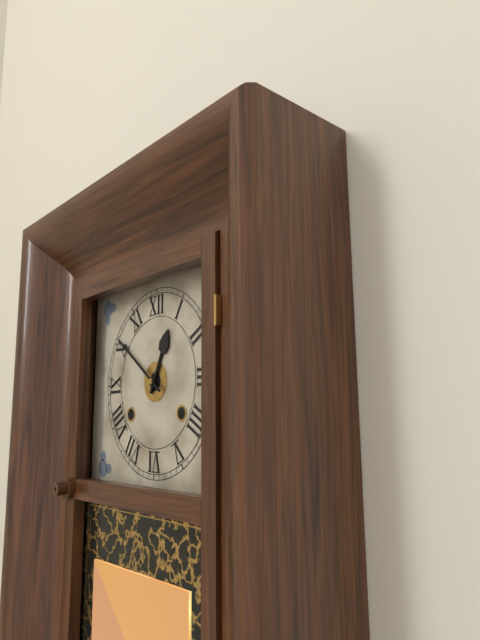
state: 12:51
